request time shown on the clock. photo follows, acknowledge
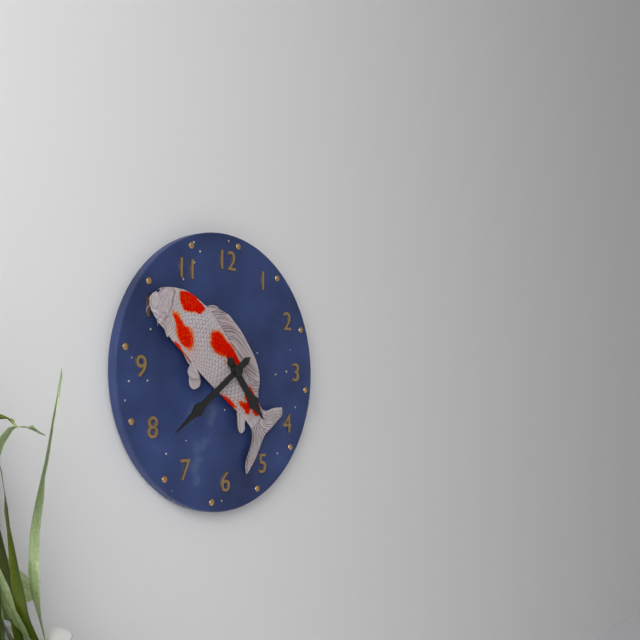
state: 4:39
